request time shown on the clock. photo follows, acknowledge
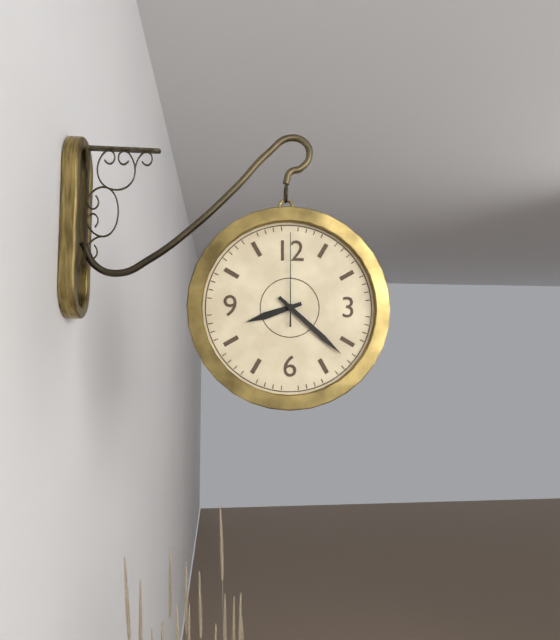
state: 8:22:00
